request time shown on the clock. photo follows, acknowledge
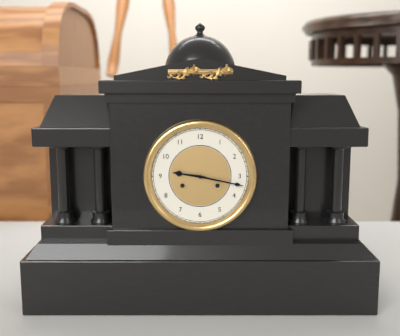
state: 9:17
